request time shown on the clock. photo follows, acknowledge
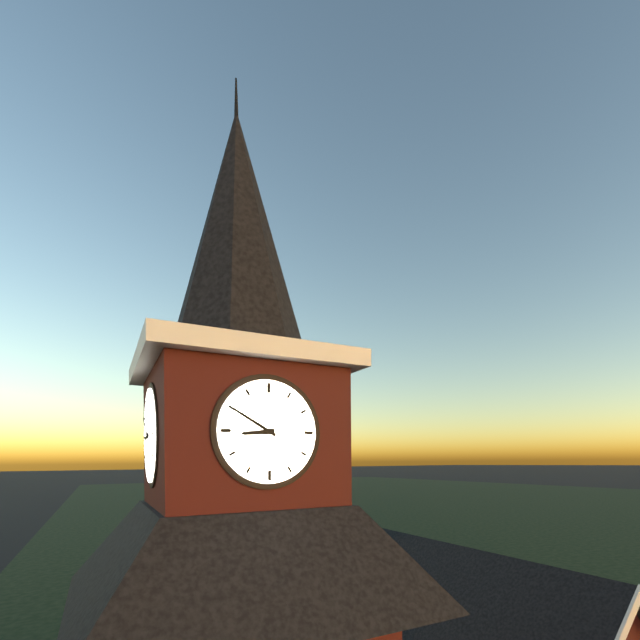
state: 8:50
